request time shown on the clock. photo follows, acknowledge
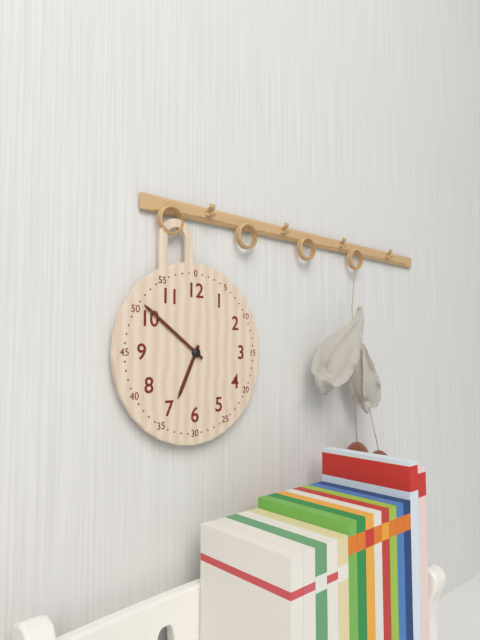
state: 6:51
